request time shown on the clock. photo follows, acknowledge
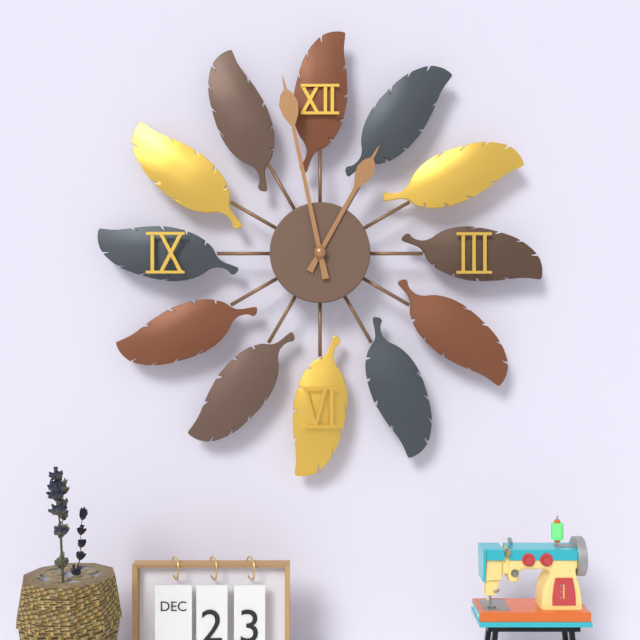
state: 12:58
